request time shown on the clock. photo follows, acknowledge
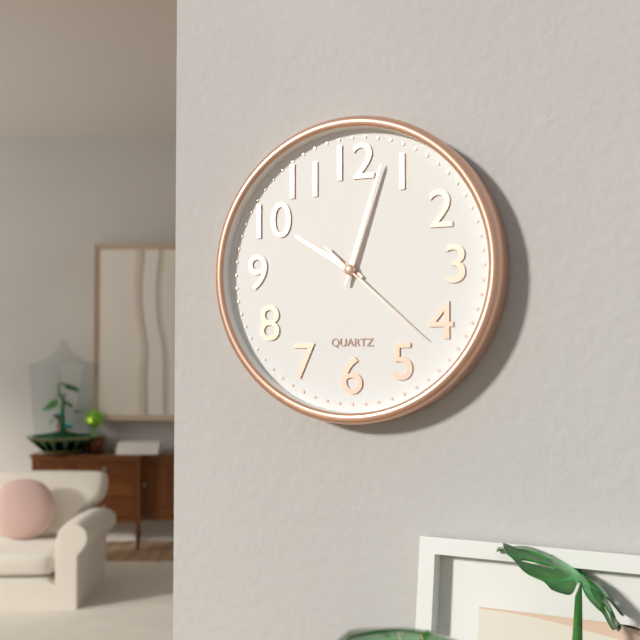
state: 10:03:22
